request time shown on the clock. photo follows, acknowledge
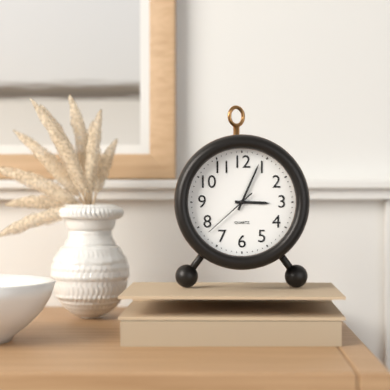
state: 3:04:38
